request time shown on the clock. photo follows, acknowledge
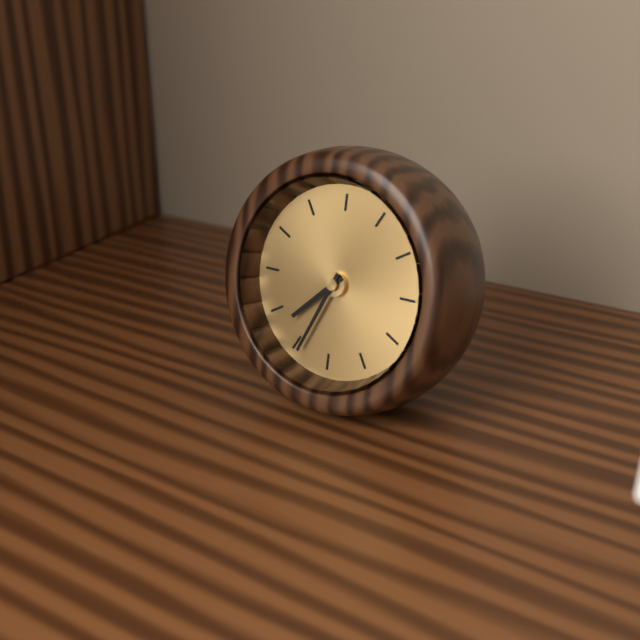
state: 7:34
